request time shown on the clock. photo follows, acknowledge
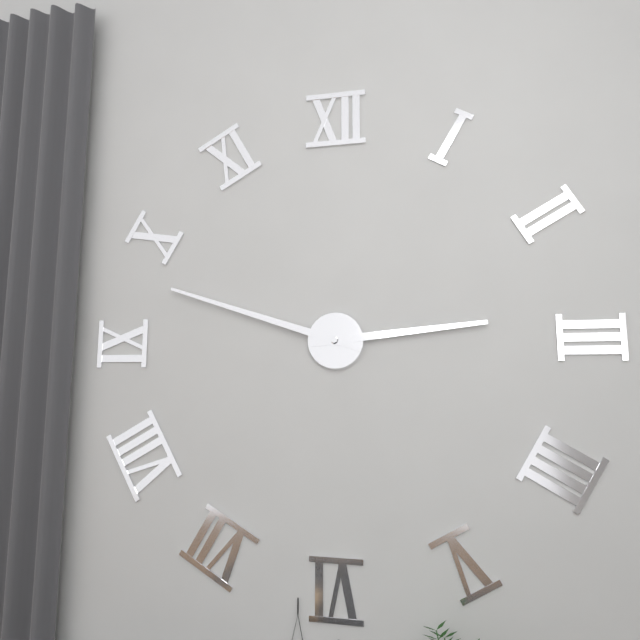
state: 2:48
